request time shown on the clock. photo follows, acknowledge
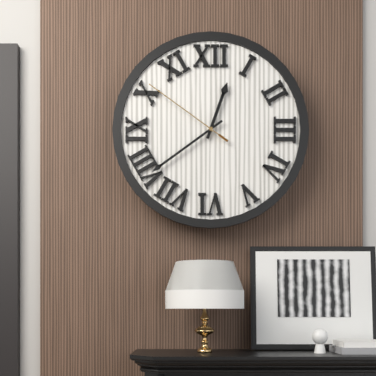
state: 12:39:51
